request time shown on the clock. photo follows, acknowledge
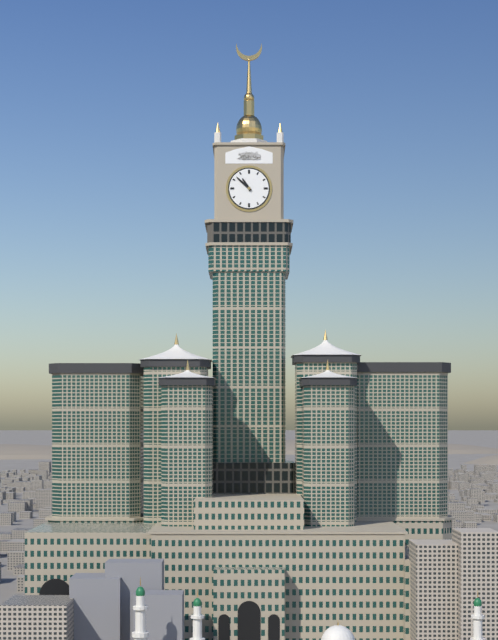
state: 10:52
